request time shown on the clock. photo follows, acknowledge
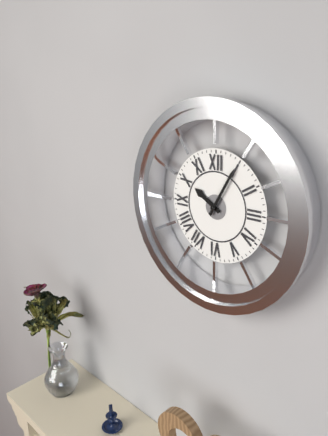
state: 10:05
